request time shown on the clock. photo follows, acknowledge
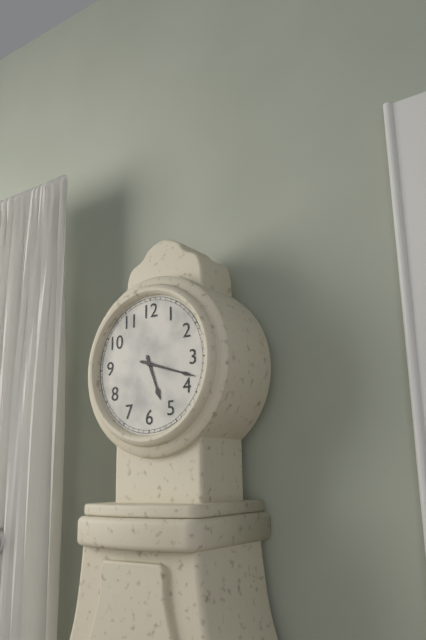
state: 5:18
